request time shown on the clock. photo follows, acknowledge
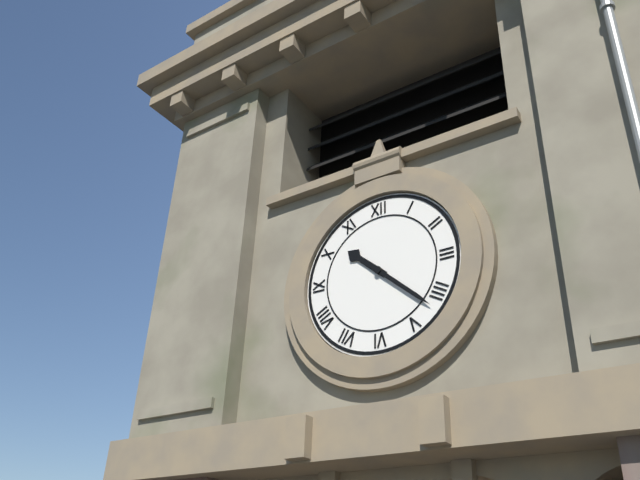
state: 10:22
